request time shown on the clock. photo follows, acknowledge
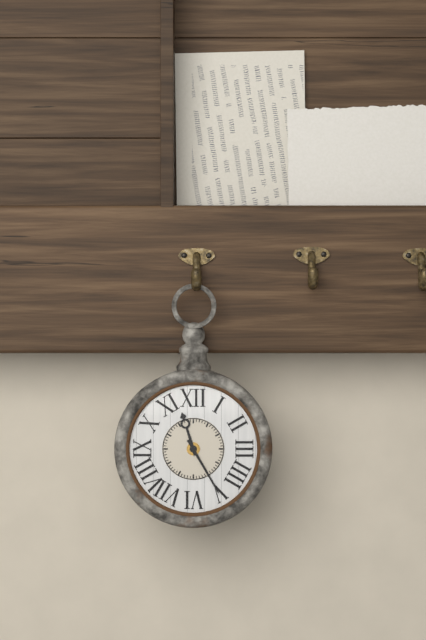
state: 11:25
